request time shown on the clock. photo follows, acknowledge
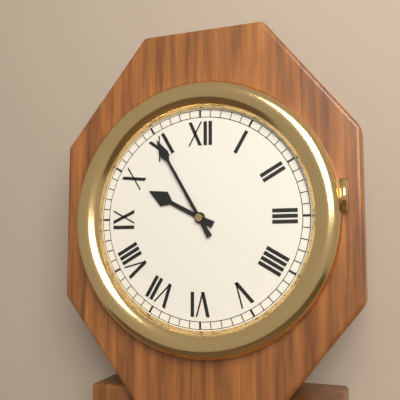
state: 9:55
